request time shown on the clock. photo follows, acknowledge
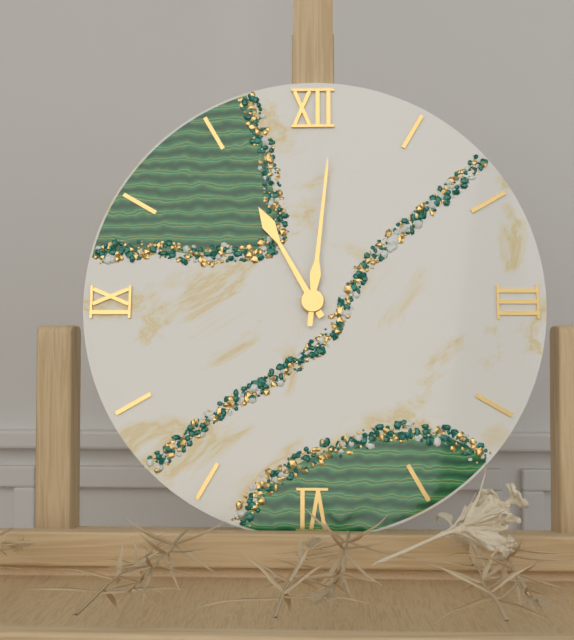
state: 11:01
